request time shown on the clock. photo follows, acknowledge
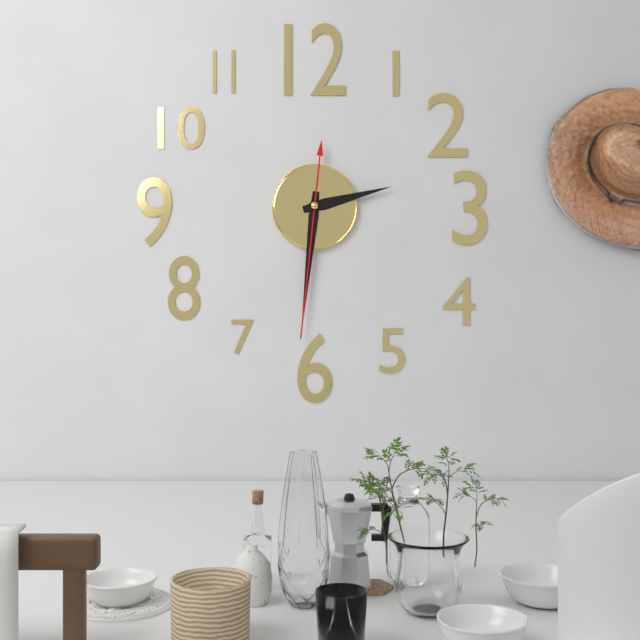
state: 2:31:31
